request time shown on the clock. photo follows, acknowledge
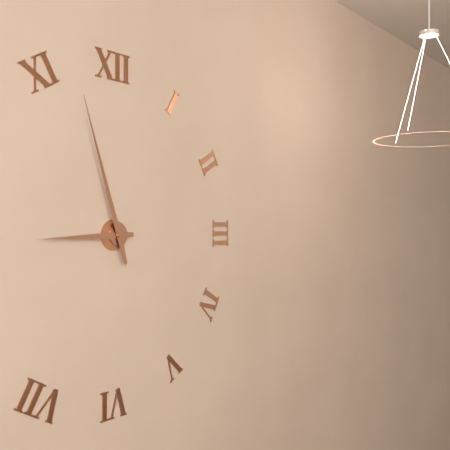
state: 8:57
